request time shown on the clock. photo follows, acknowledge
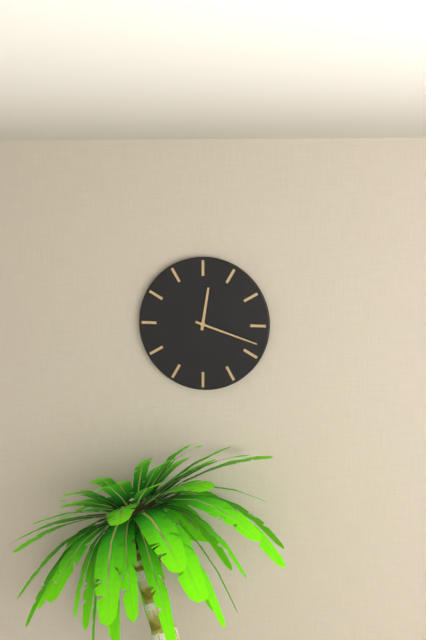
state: 12:18
